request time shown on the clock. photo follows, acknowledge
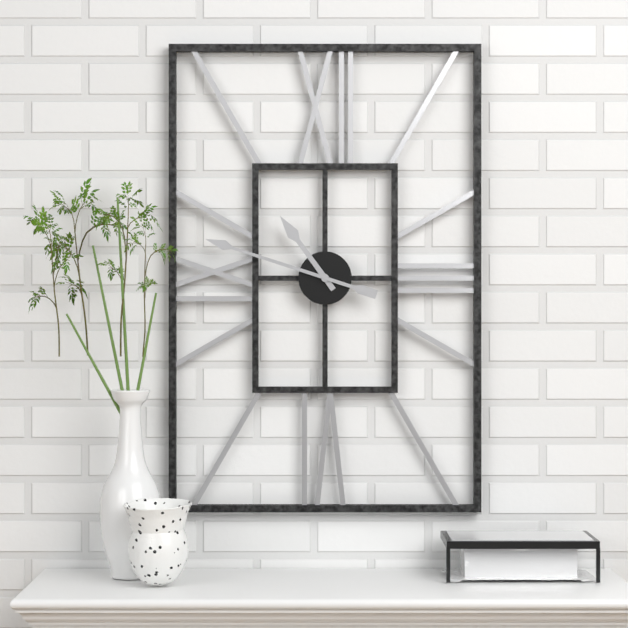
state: 10:48
